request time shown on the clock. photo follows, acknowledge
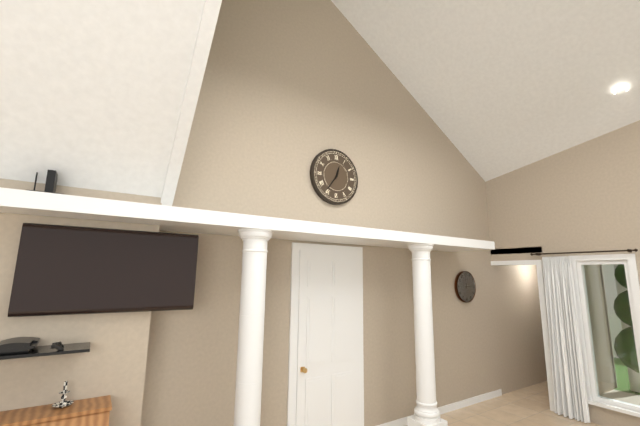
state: 12:36
